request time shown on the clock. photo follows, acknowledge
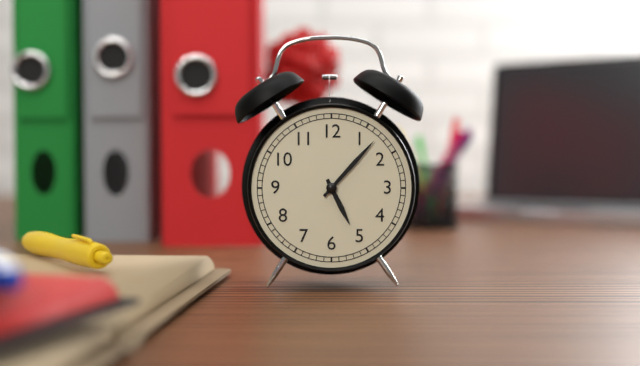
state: 5:07
